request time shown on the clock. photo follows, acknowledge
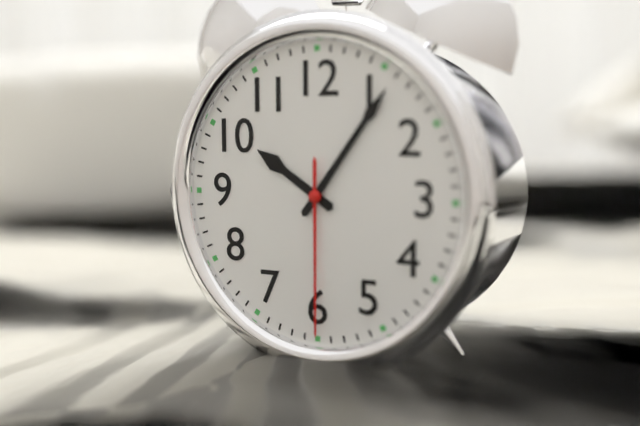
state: 10:06:30
